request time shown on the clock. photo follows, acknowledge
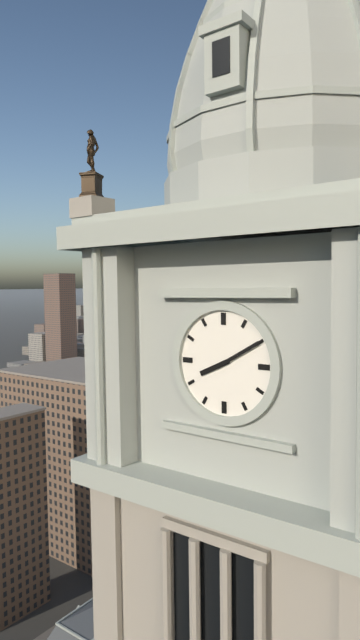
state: 8:10
